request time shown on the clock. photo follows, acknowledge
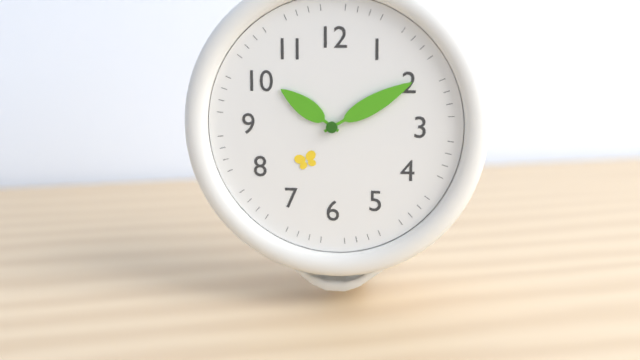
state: 10:10
